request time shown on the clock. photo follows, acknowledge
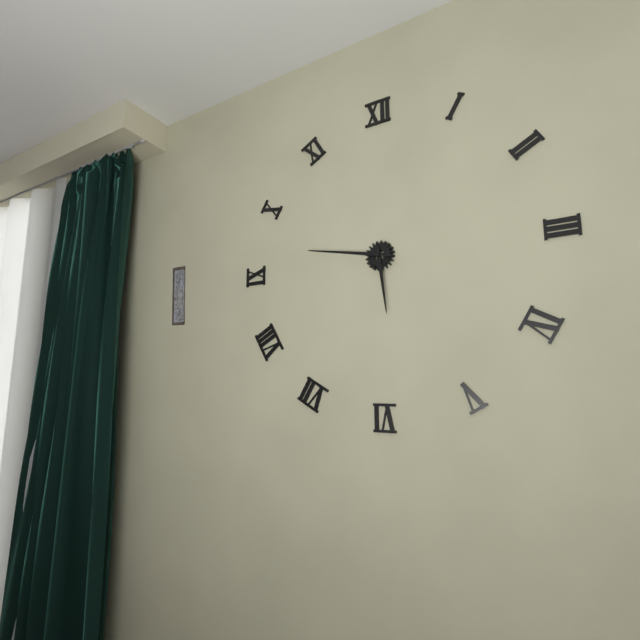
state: 5:47
